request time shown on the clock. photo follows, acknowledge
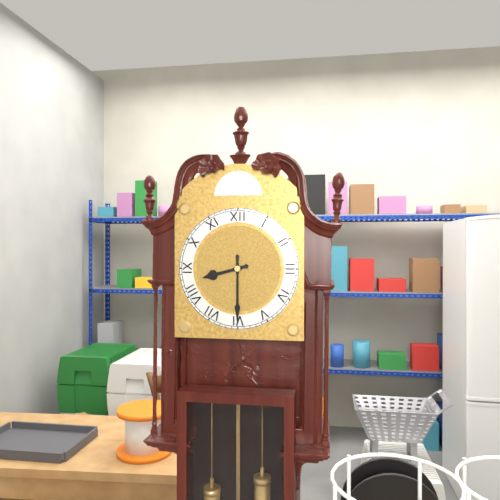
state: 8:30
